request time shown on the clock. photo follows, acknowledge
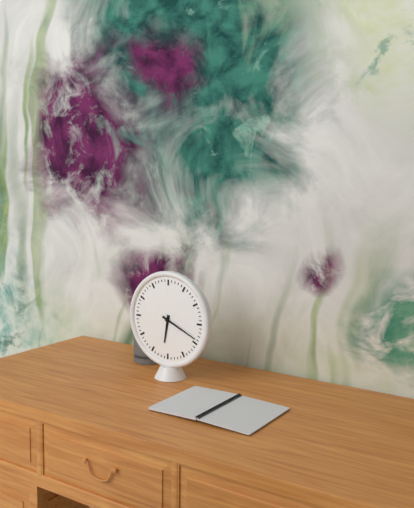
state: 6:19
